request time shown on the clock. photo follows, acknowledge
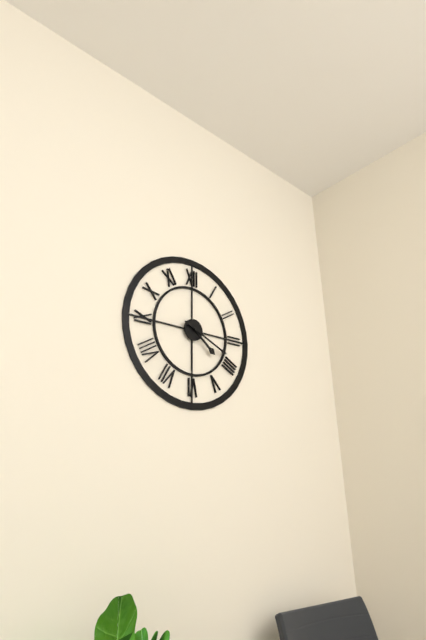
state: 4:19
